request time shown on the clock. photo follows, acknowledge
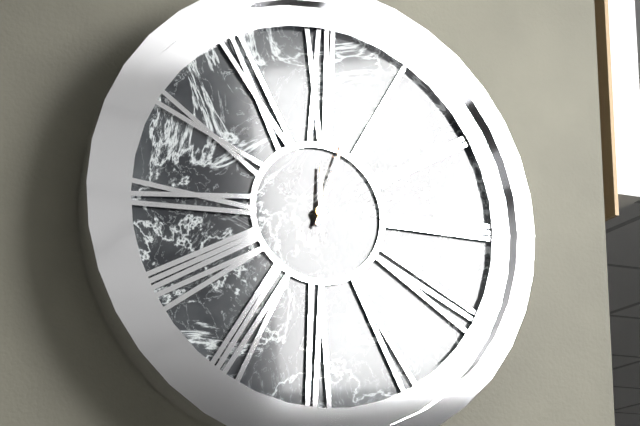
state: 12:03
